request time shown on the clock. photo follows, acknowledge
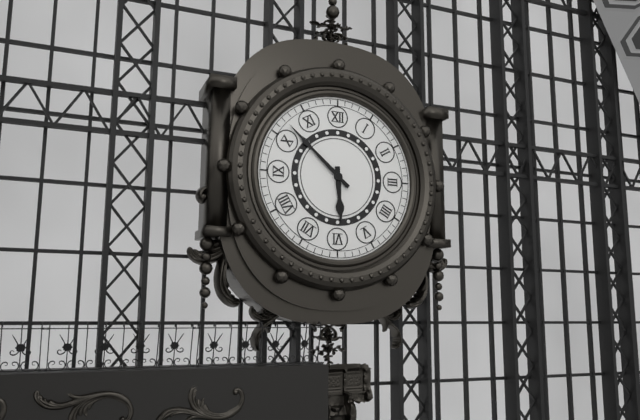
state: 5:52
